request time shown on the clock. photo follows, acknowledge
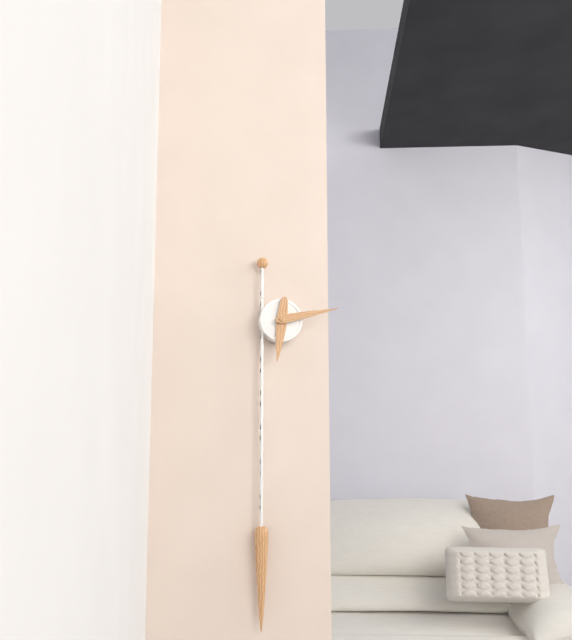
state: 6:13
